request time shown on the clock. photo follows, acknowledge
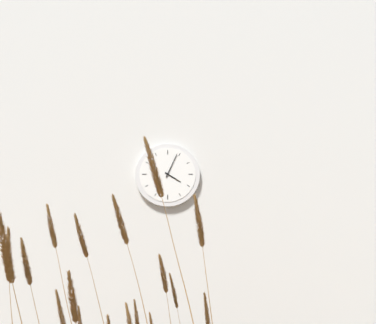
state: 4:04
